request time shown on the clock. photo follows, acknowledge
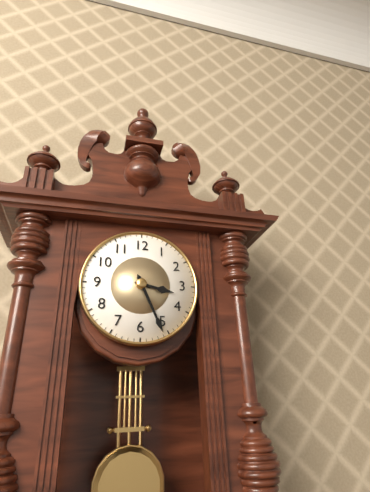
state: 3:26
